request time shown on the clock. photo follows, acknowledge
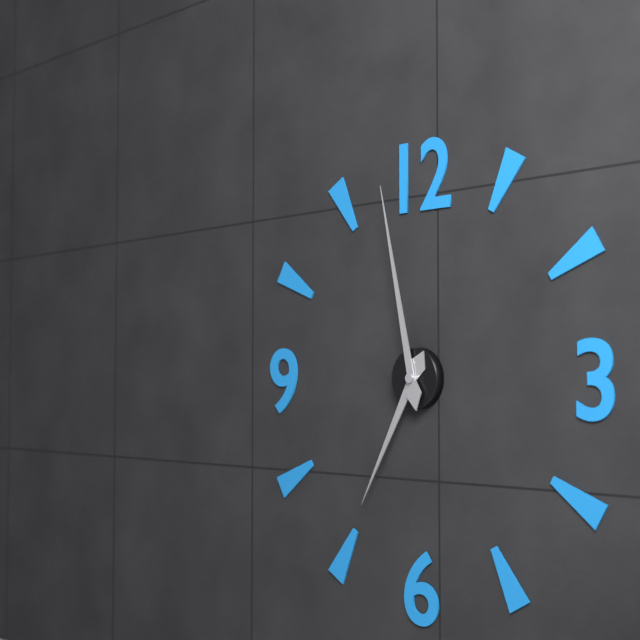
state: 6:58
